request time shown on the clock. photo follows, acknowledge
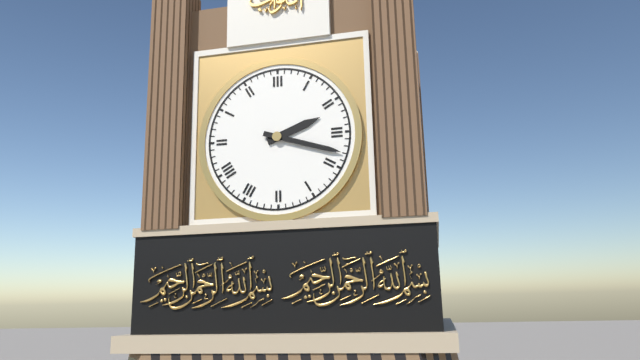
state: 2:18
